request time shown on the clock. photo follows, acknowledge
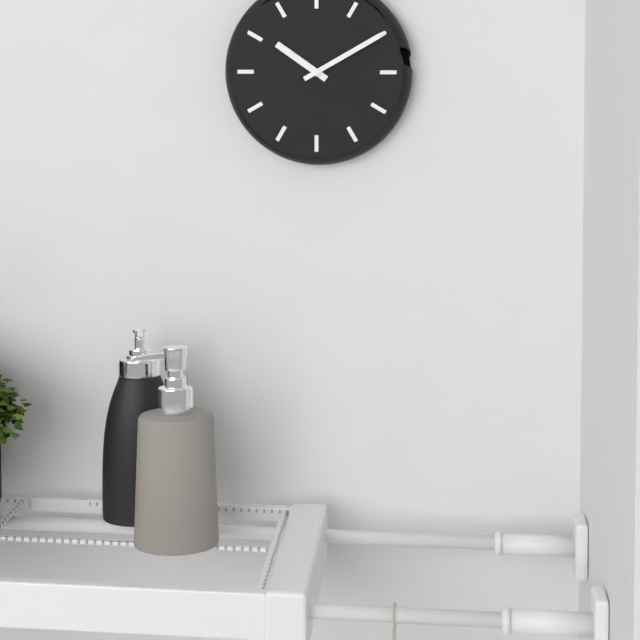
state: 10:10
